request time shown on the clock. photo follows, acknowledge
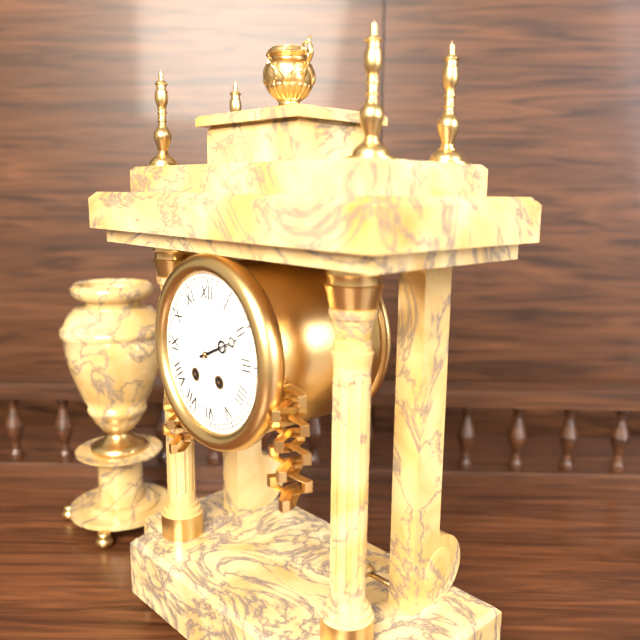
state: 2:11
